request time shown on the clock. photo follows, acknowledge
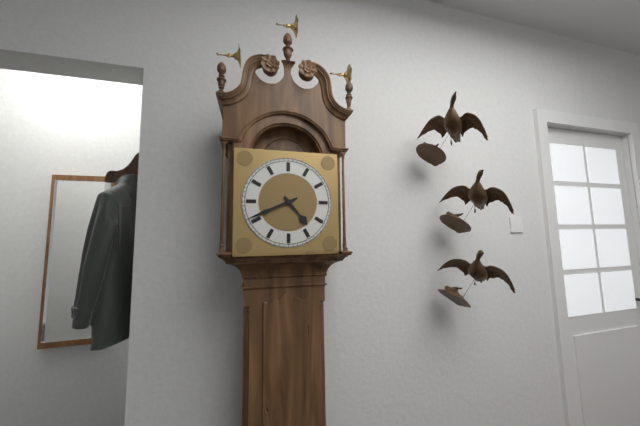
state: 4:41
